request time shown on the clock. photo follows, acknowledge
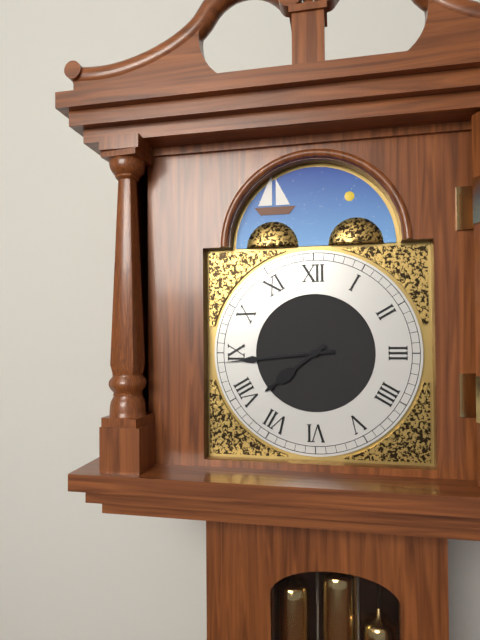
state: 7:44
